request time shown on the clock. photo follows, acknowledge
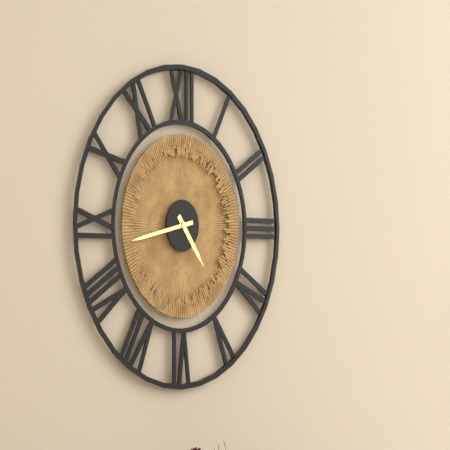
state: 4:43
